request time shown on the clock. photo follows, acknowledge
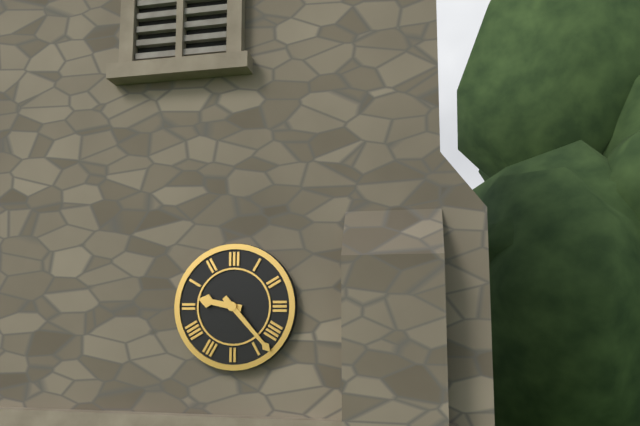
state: 9:23
